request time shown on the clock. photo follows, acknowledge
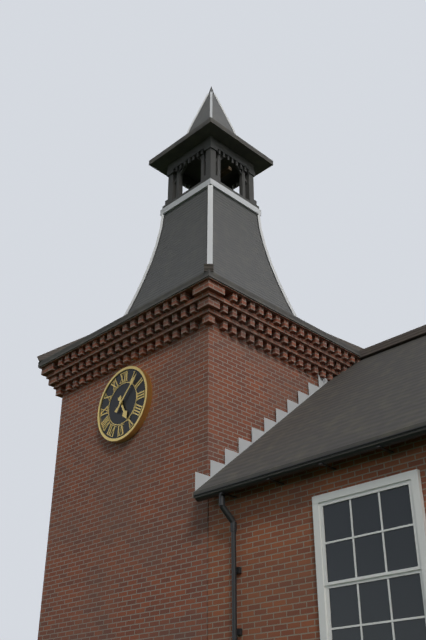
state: 5:07
